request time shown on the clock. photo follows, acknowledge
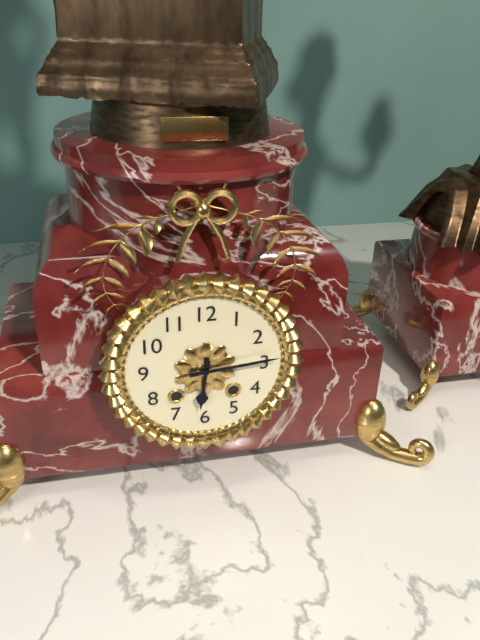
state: 6:14
